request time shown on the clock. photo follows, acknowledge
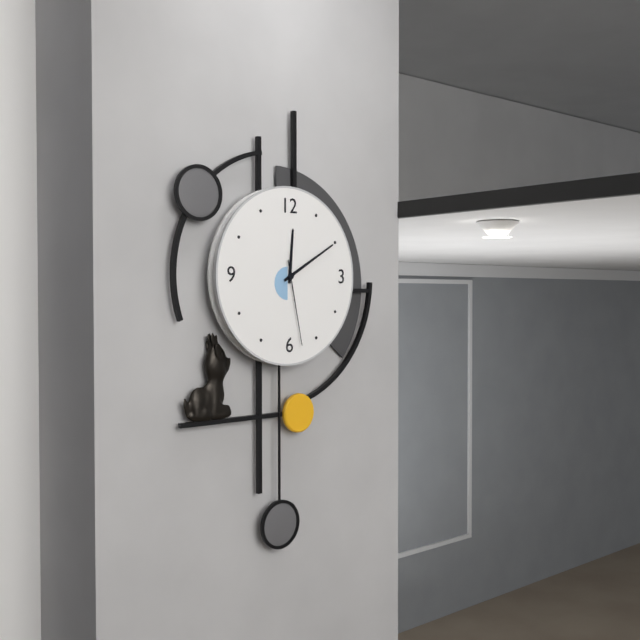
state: 12:10:28
